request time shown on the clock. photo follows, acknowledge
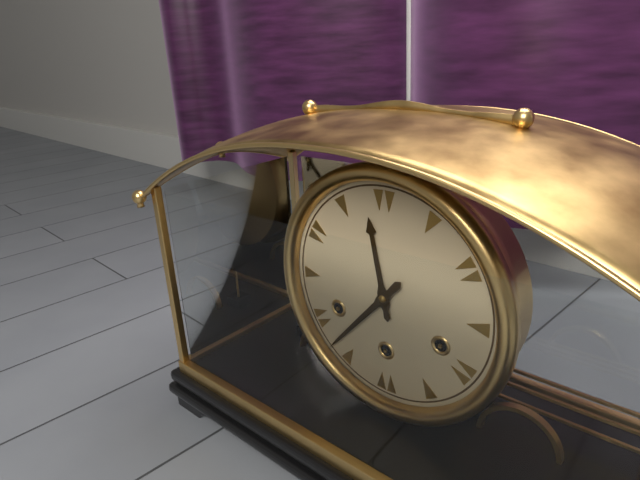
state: 11:37
